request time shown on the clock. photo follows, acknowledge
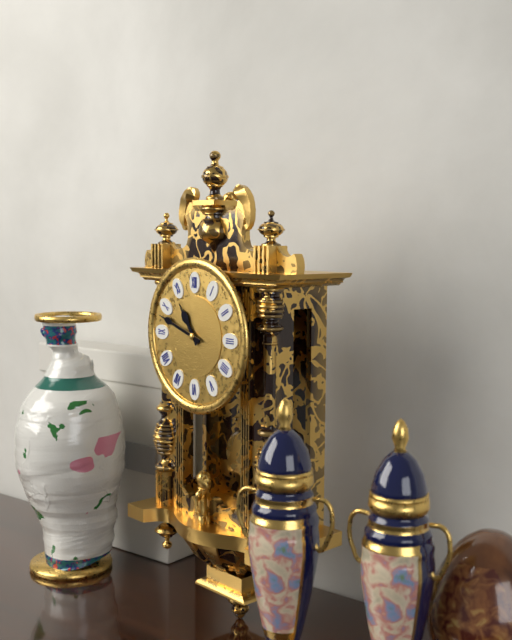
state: 10:48
